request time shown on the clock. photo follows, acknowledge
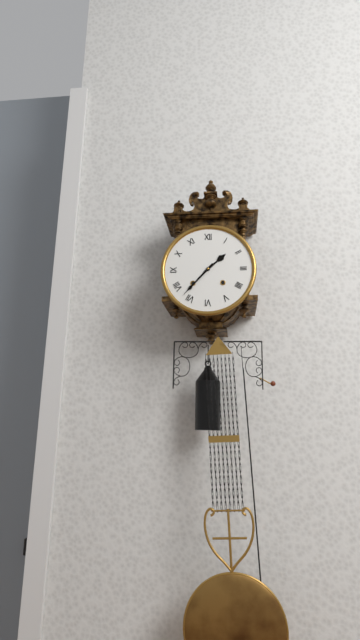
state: 1:37
